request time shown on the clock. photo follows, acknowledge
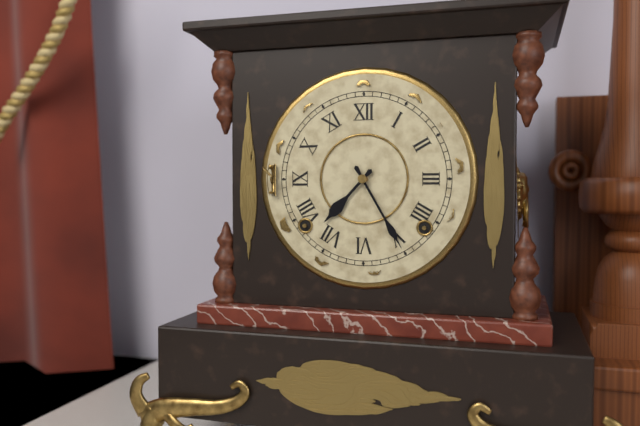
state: 7:25
